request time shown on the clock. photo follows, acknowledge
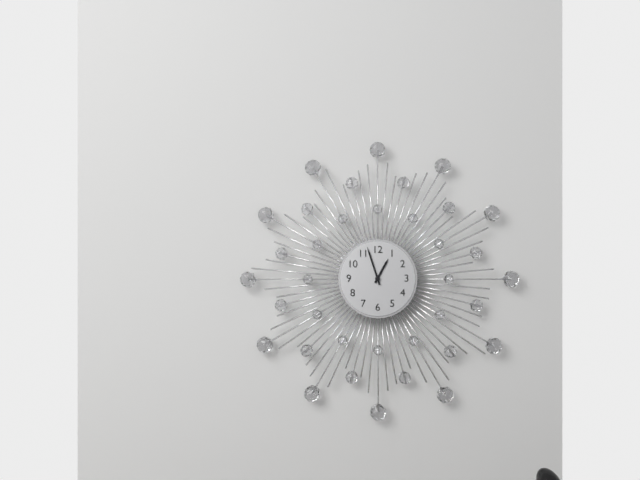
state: 12:57
